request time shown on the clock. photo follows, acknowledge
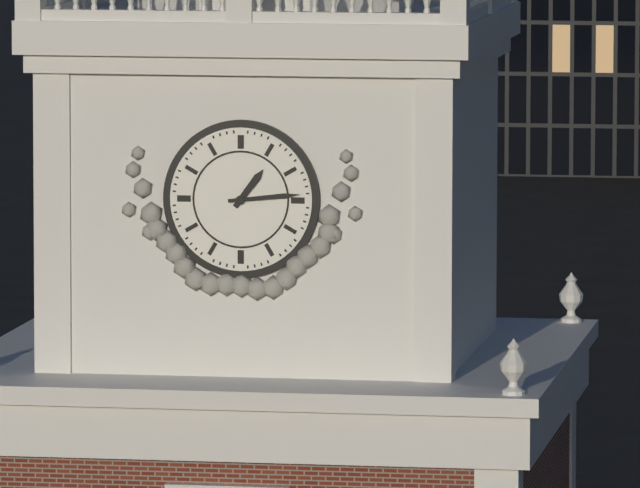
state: 1:14
